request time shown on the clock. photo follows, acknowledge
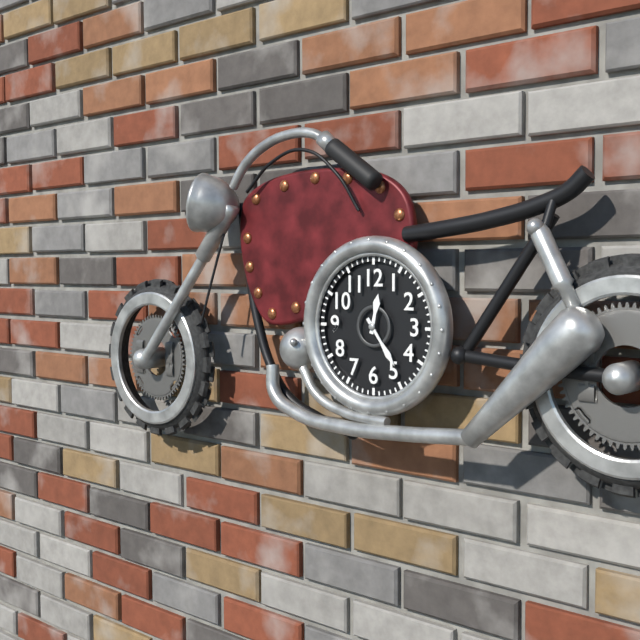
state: 12:24
